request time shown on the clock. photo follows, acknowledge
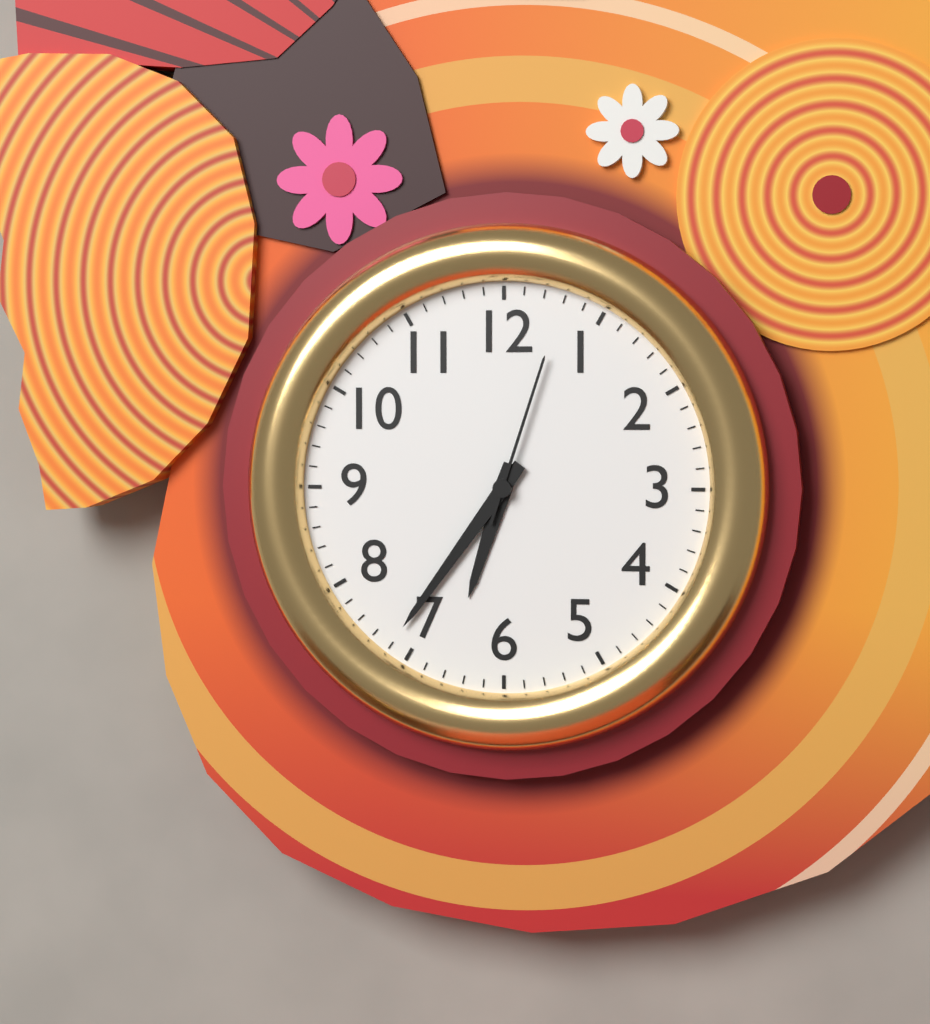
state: 6:36:03
